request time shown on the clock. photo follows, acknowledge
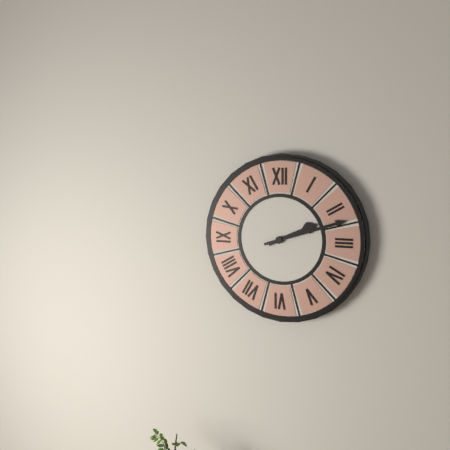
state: 2:12
